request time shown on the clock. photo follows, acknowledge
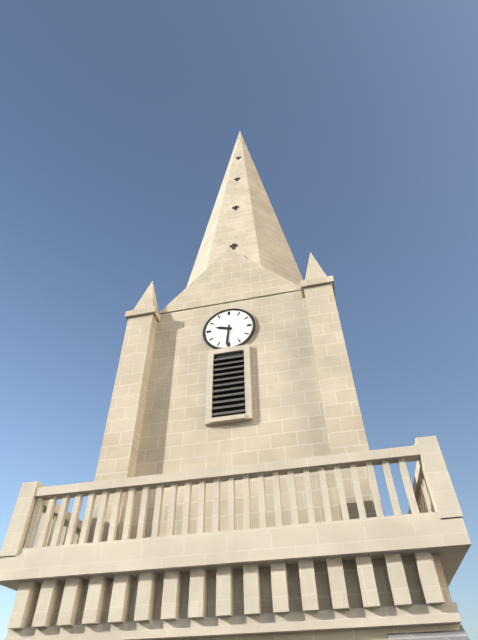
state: 9:31
